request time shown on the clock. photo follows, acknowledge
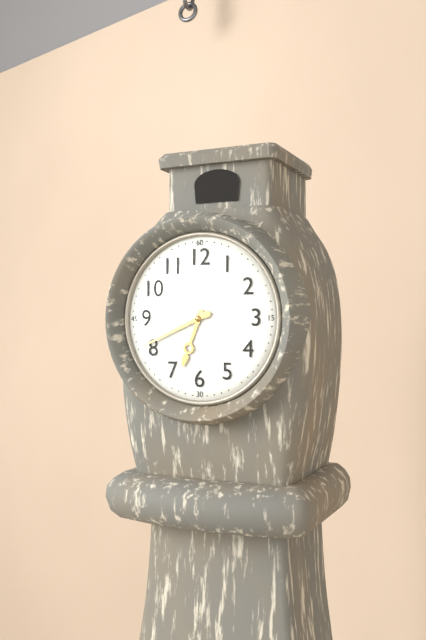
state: 6:41
